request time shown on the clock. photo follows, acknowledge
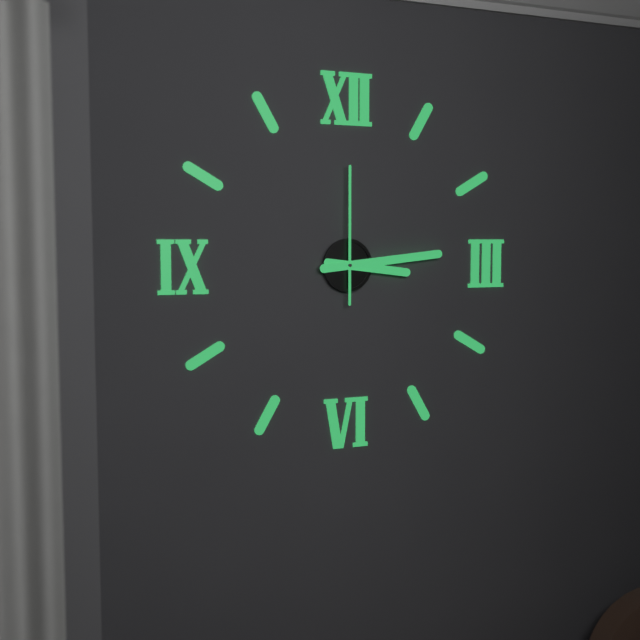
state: 3:14:00
